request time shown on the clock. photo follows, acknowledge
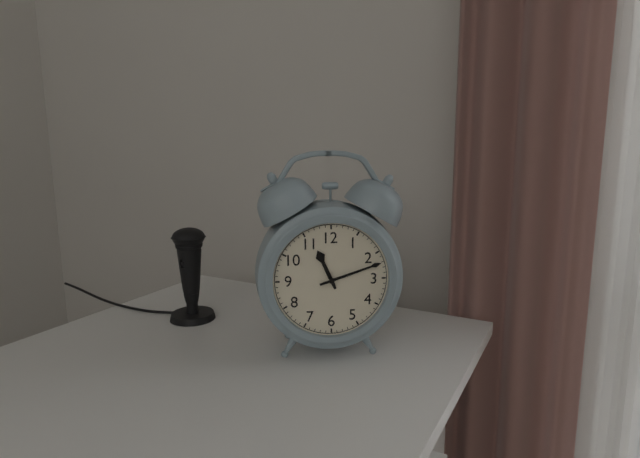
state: 11:12
